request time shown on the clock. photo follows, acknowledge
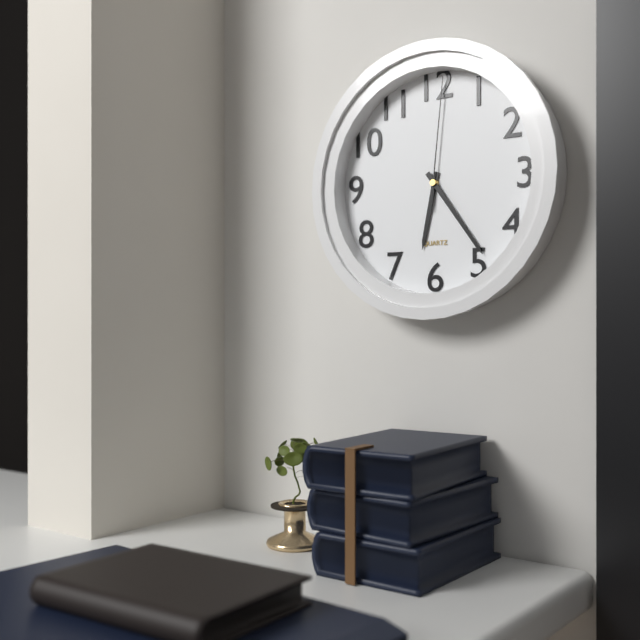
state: 6:24:01
